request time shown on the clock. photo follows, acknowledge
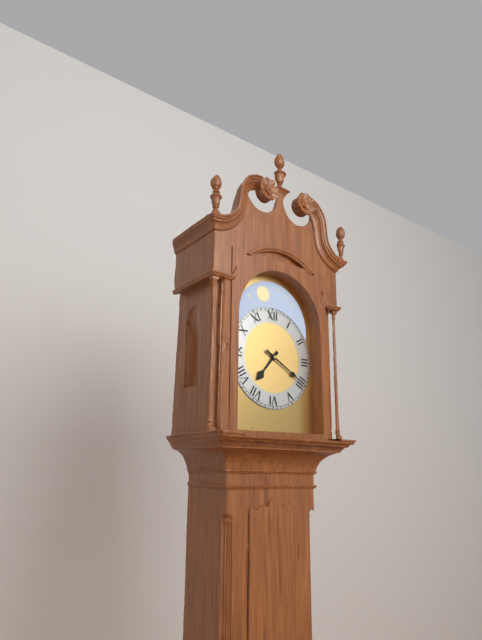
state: 7:20
